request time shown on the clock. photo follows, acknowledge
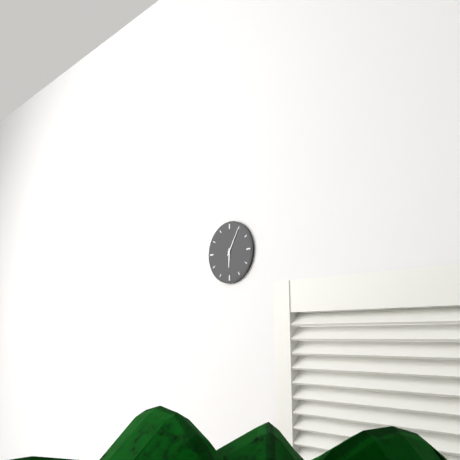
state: 6:05
